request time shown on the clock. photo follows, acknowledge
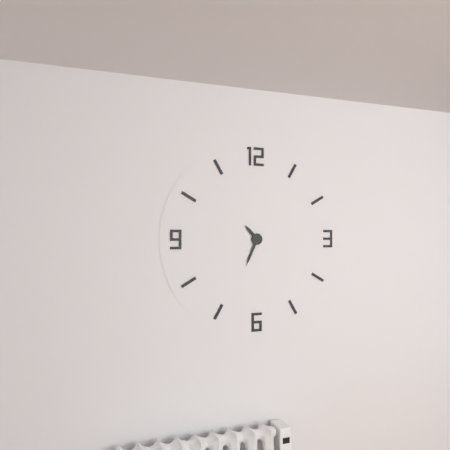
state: 10:34
